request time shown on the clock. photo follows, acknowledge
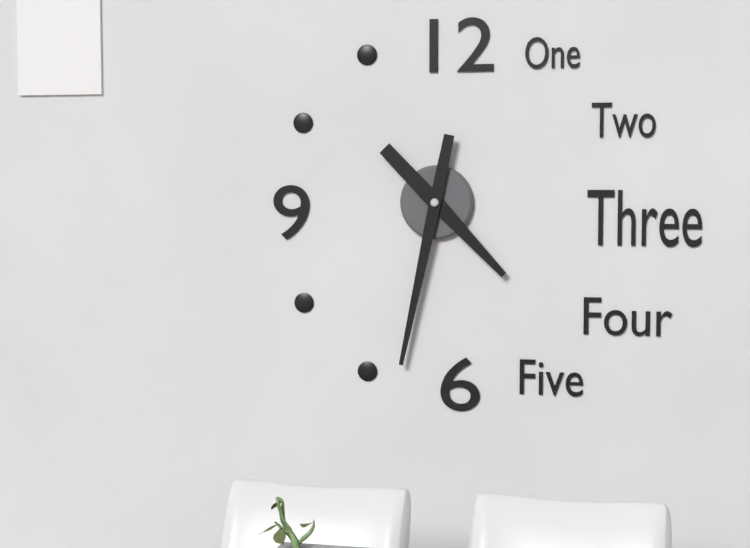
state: 4:32
